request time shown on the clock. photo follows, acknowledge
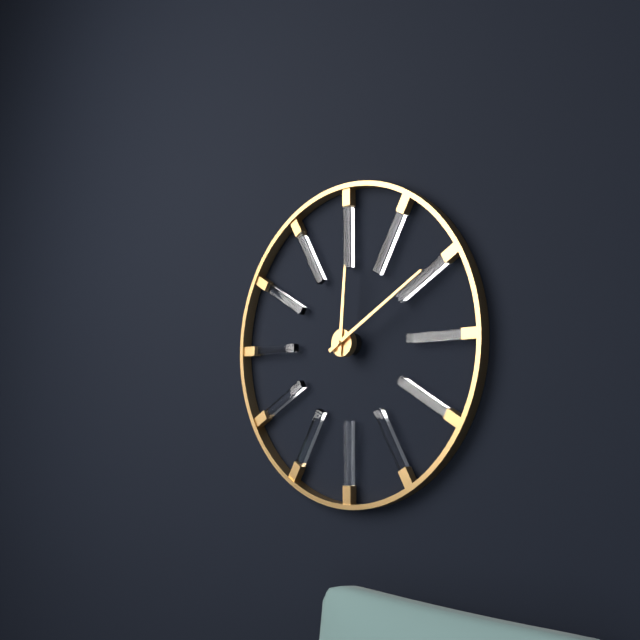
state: 12:10
